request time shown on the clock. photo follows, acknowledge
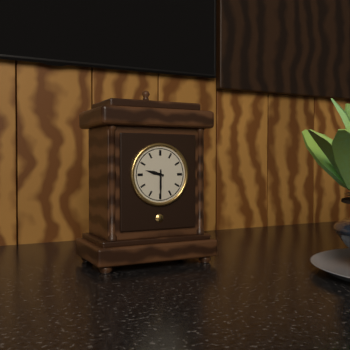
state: 9:30
